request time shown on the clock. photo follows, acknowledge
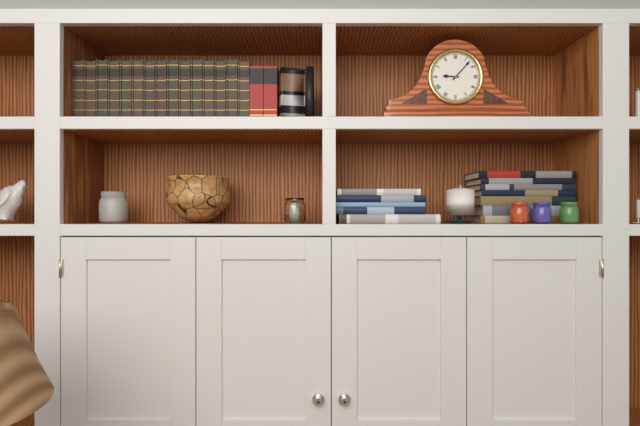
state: 9:07
